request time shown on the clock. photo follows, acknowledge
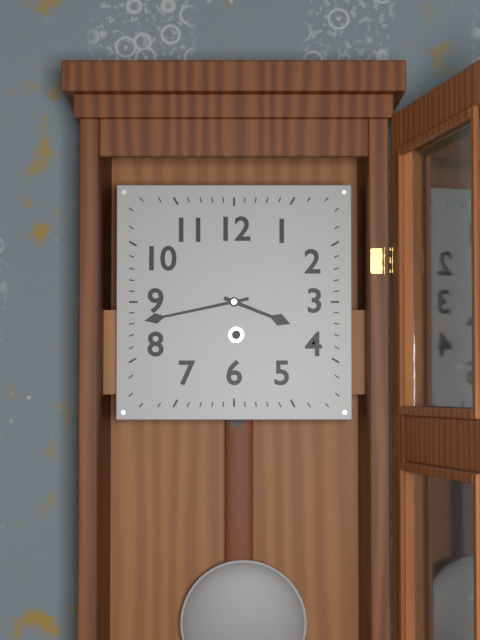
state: 3:43
